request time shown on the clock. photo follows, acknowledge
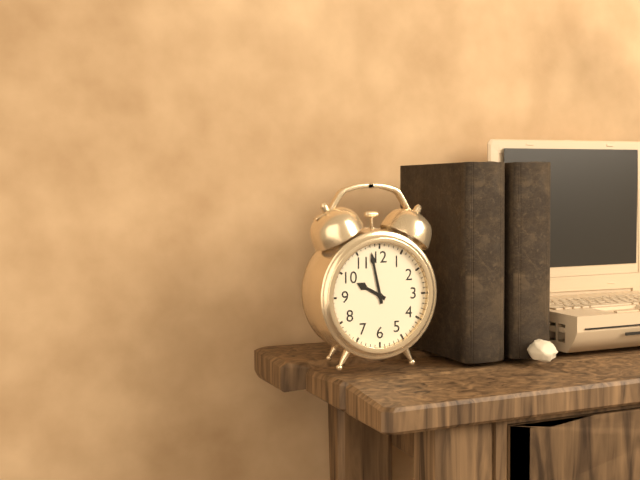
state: 9:58
